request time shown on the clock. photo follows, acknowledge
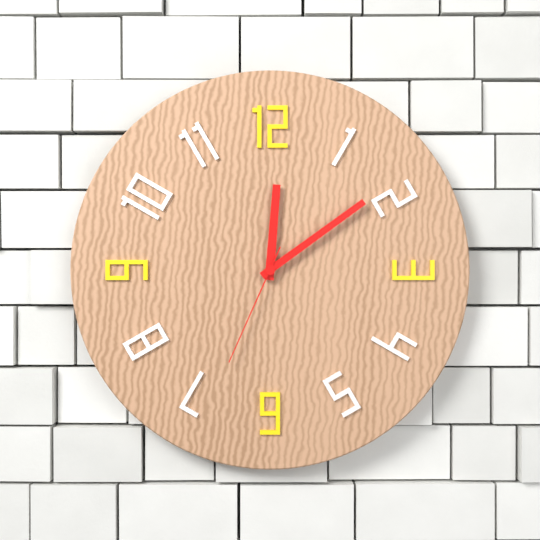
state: 12:09:34
